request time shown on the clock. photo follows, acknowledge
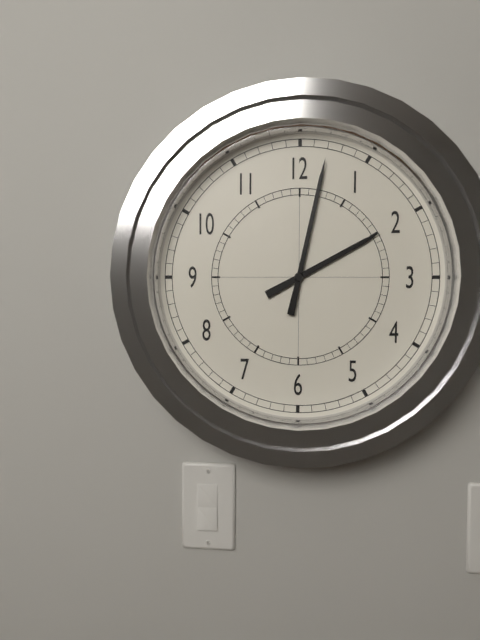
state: 2:02
